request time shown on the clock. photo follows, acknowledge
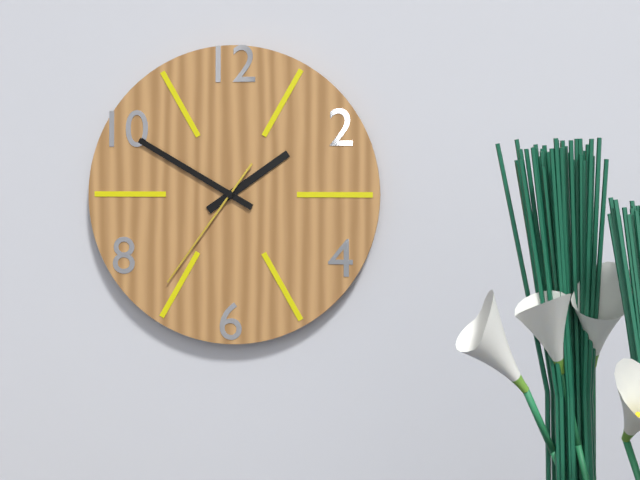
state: 1:50:36
